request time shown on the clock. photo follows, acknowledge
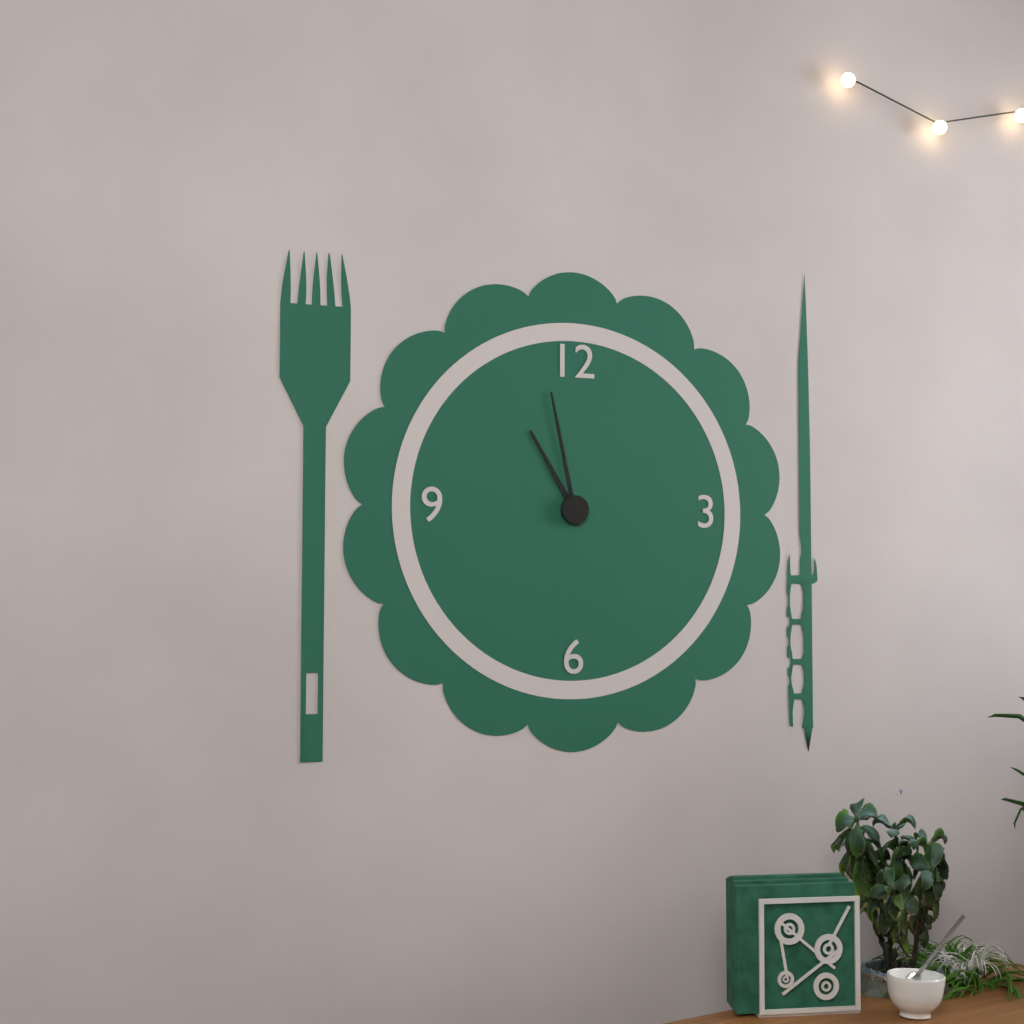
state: 10:58
